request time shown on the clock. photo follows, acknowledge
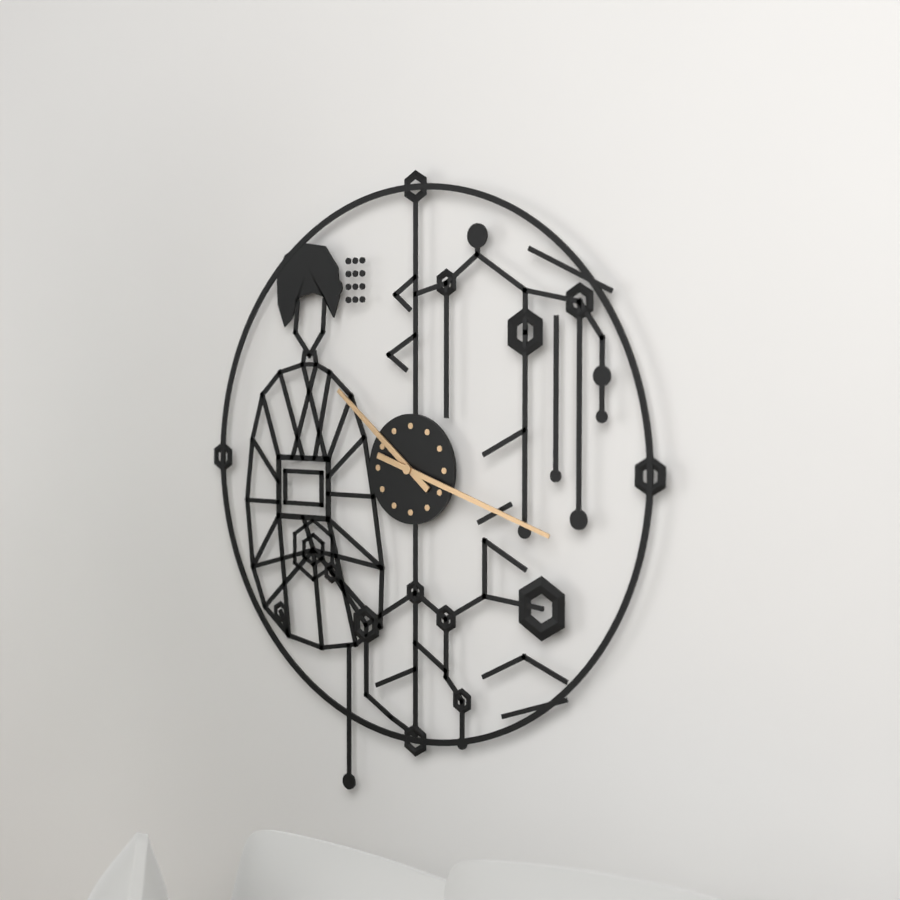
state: 10:18
